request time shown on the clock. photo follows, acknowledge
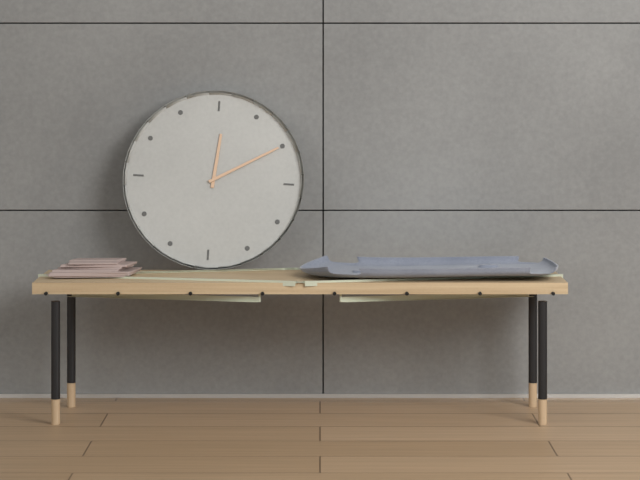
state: 12:10
